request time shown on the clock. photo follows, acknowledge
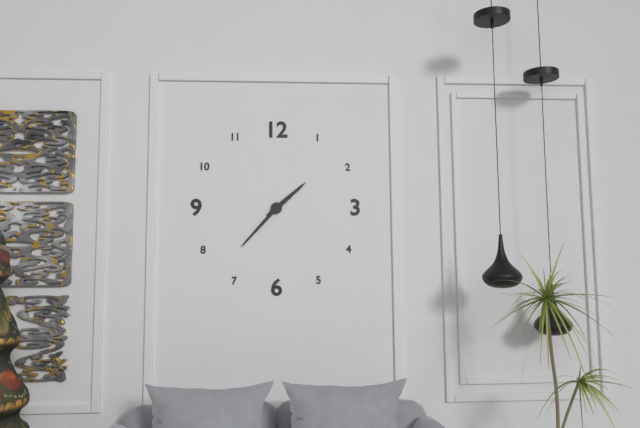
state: 1:37
